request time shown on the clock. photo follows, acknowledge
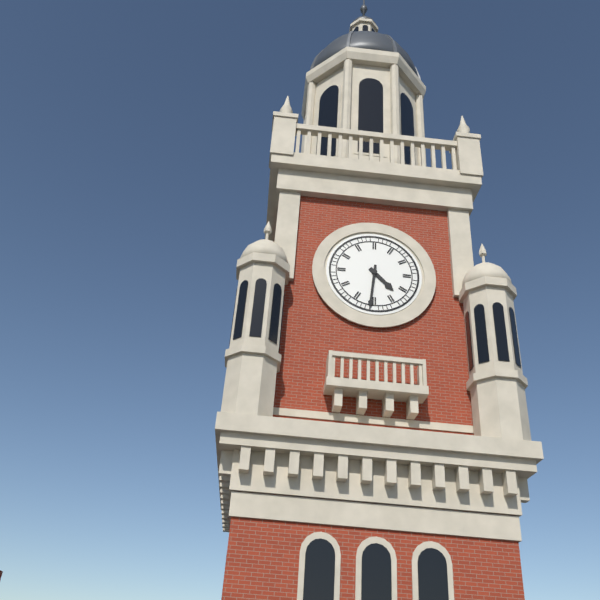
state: 4:31
